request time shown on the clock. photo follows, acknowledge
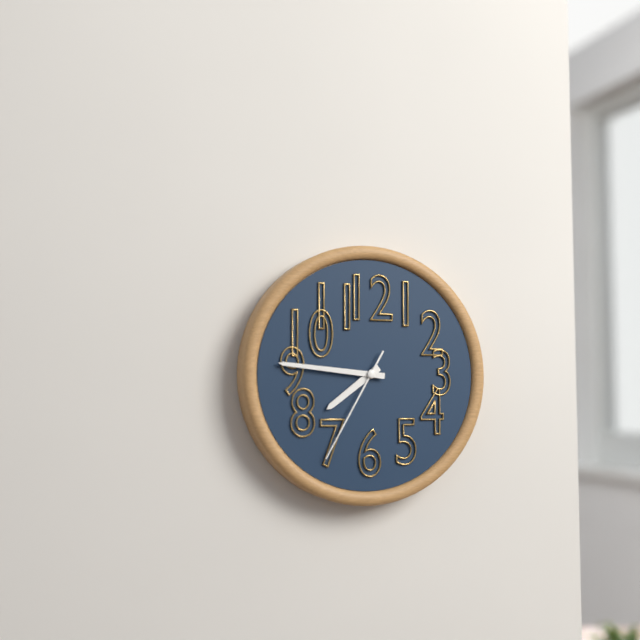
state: 7:46:35
